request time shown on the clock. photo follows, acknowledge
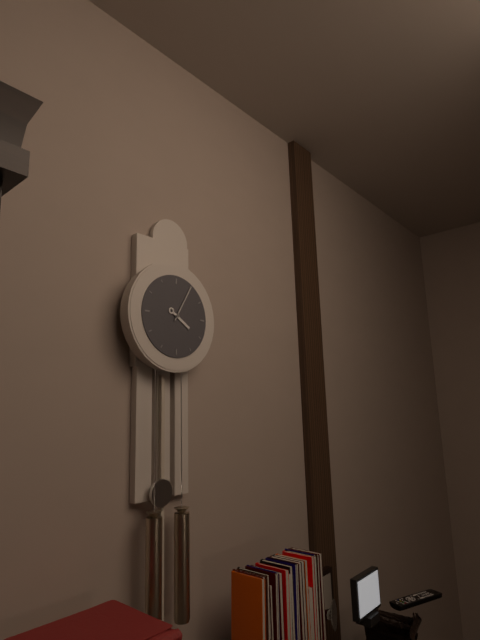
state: 4:05
